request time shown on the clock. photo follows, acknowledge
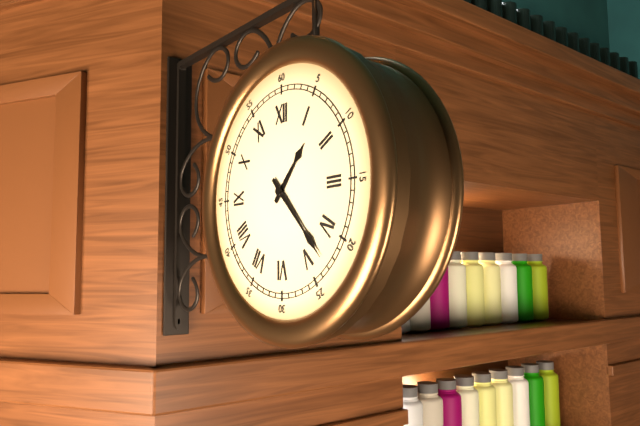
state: 1:23
